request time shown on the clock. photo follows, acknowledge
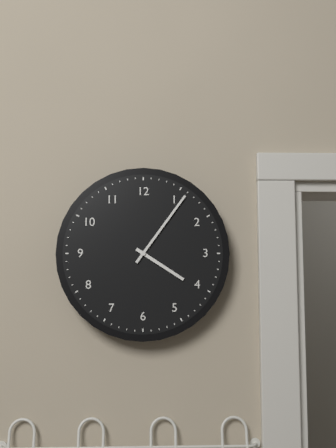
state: 4:06
